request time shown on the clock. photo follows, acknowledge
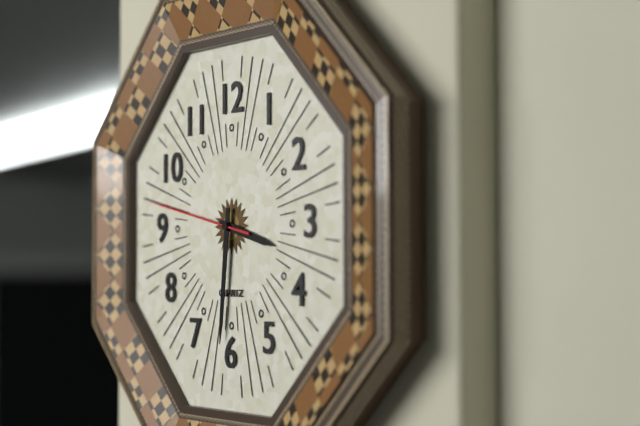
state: 3:31:47
